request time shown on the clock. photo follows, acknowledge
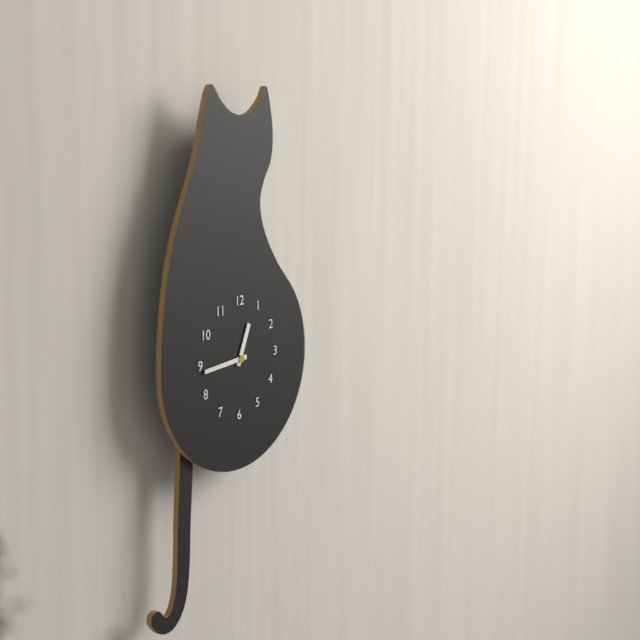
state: 12:44
